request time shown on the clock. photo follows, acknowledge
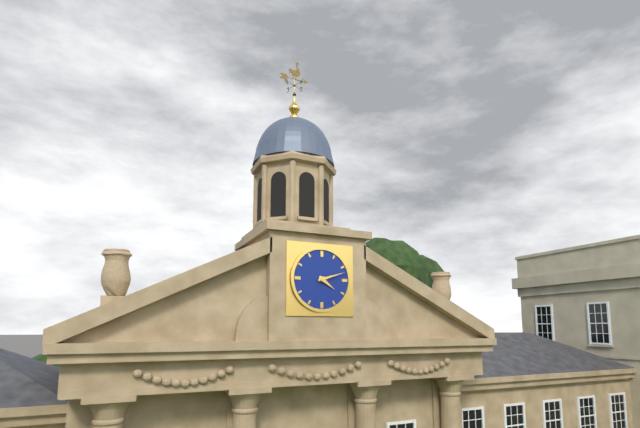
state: 4:12
